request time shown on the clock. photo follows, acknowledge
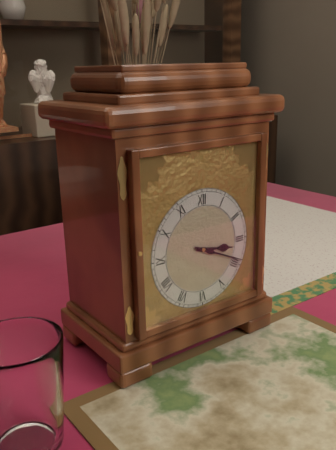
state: 3:19
